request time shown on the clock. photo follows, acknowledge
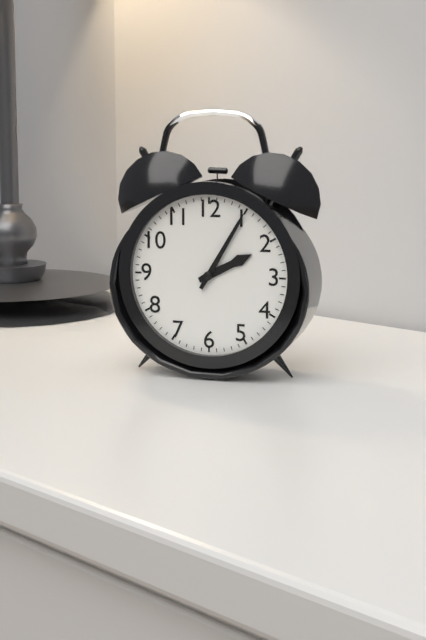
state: 2:05
